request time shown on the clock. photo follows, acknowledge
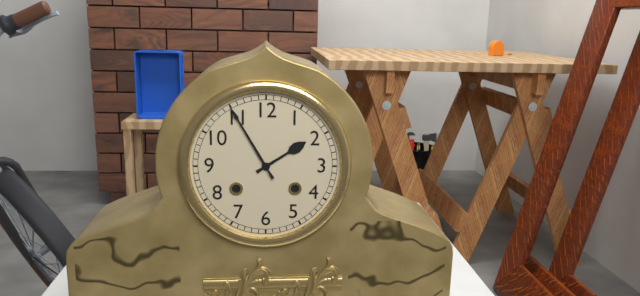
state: 1:55
